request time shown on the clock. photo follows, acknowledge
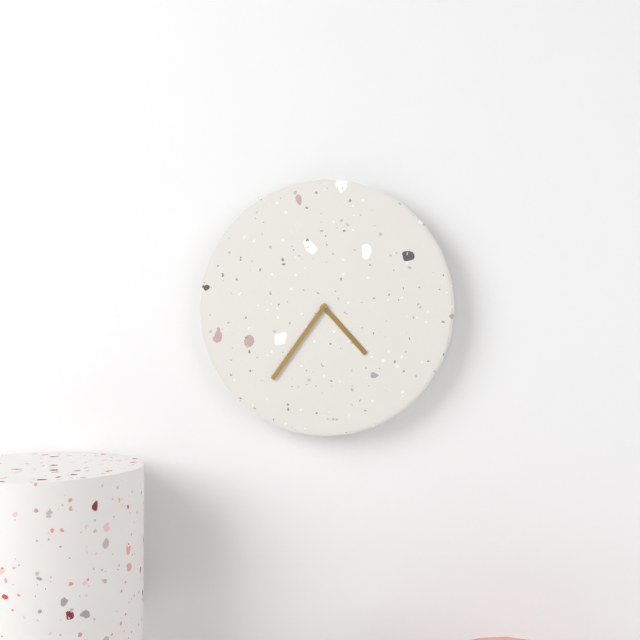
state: 4:36
